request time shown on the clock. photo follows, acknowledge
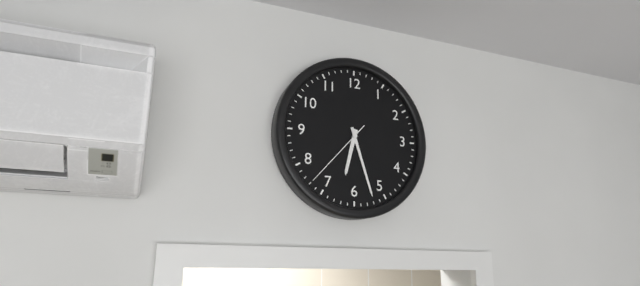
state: 6:27:37
